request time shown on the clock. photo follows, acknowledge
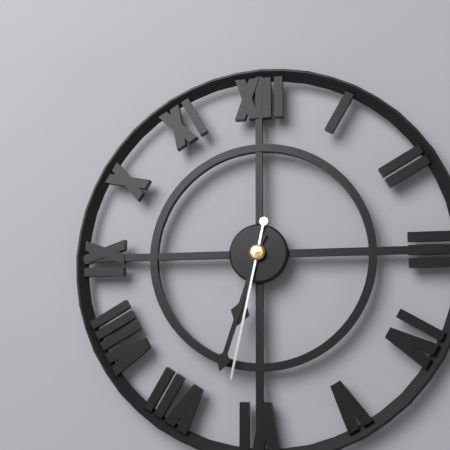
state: 6:33:32
